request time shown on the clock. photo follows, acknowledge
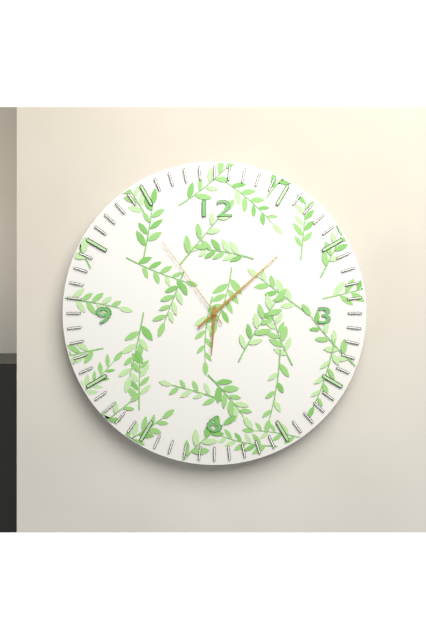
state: 6:08:54
